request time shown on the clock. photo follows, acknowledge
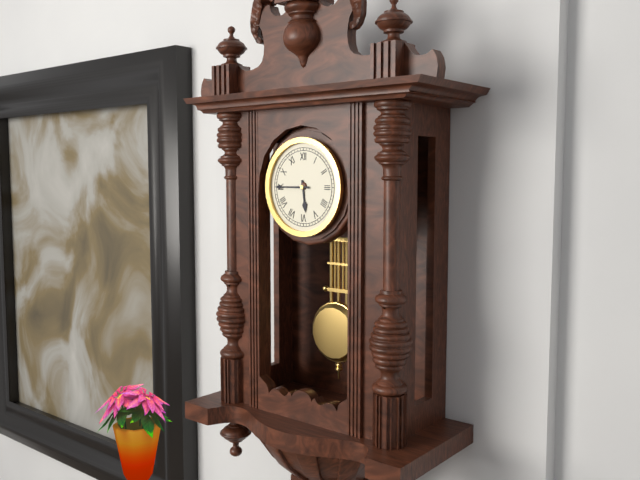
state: 5:45
